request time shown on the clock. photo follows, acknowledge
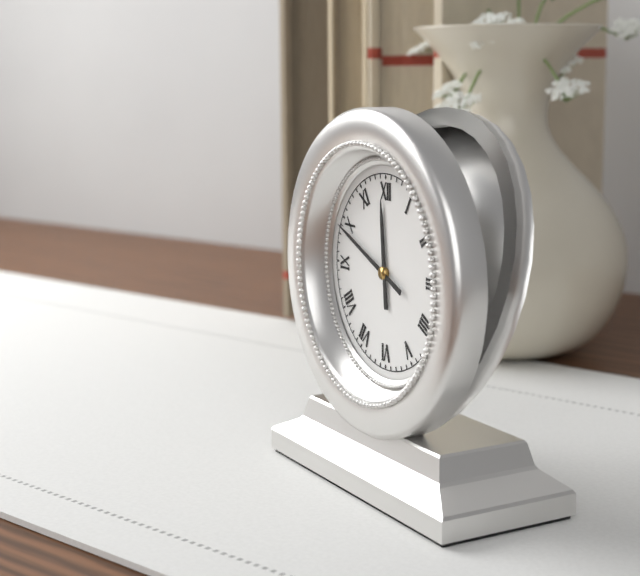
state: 11:49
